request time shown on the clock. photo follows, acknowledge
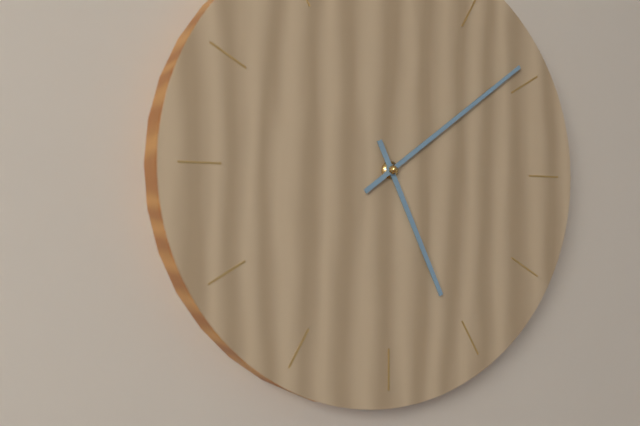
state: 5:09
